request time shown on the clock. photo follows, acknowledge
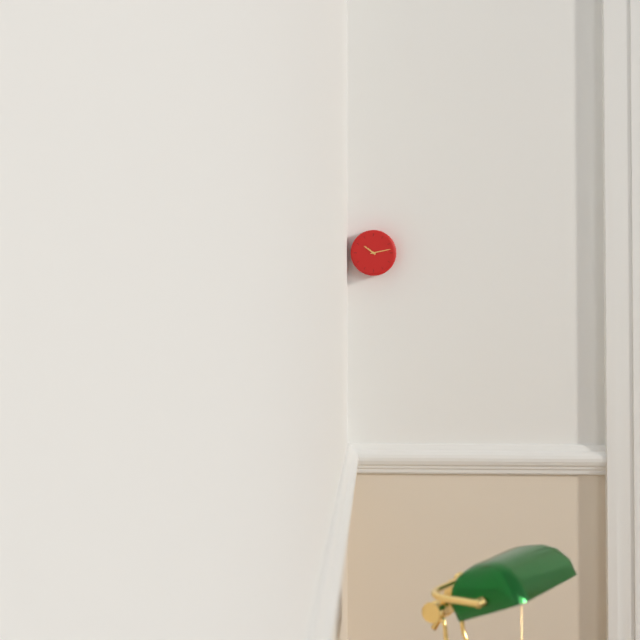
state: 10:13
